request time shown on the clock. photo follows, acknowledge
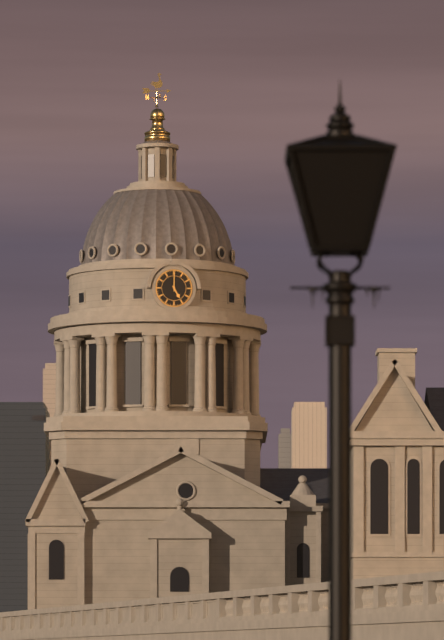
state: 5:00
